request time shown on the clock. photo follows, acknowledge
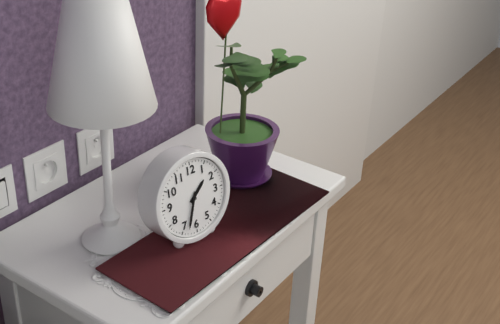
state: 1:33
